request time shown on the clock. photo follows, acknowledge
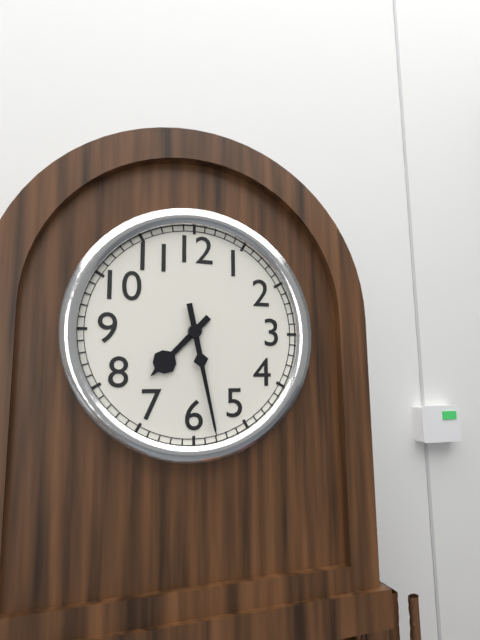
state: 7:28
